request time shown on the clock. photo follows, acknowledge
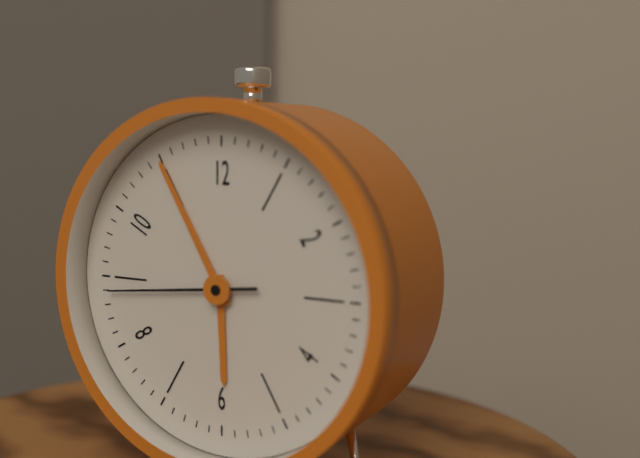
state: 5:55:44
